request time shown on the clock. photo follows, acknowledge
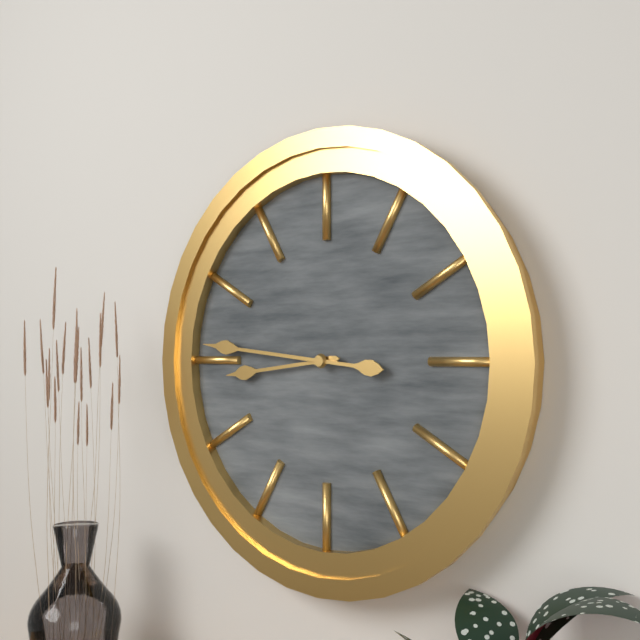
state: 8:46
